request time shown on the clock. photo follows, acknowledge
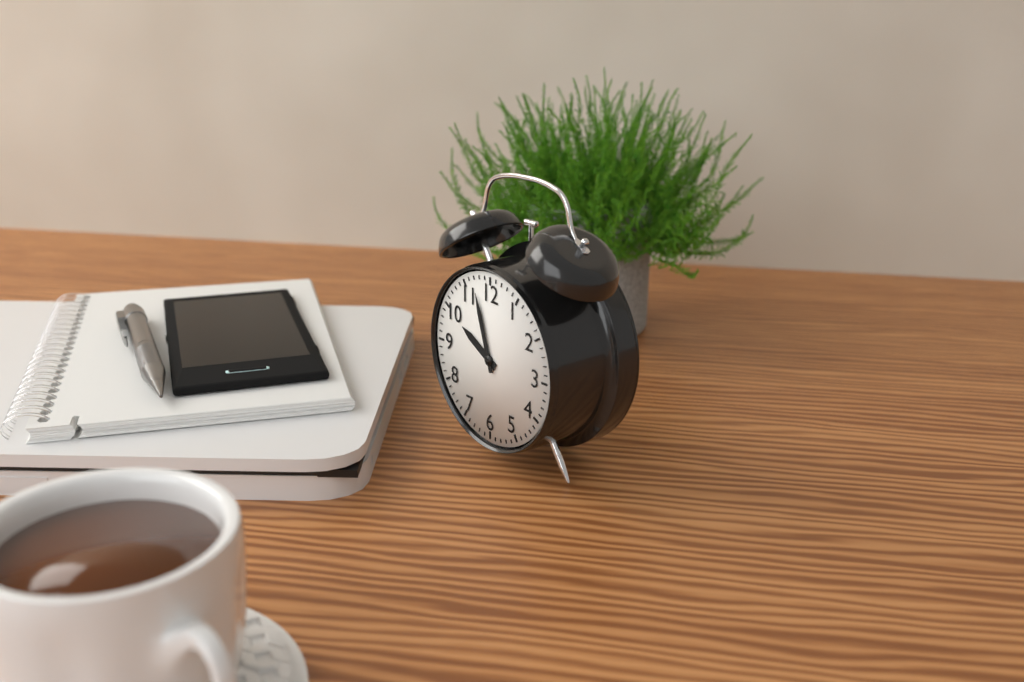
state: 9:57
